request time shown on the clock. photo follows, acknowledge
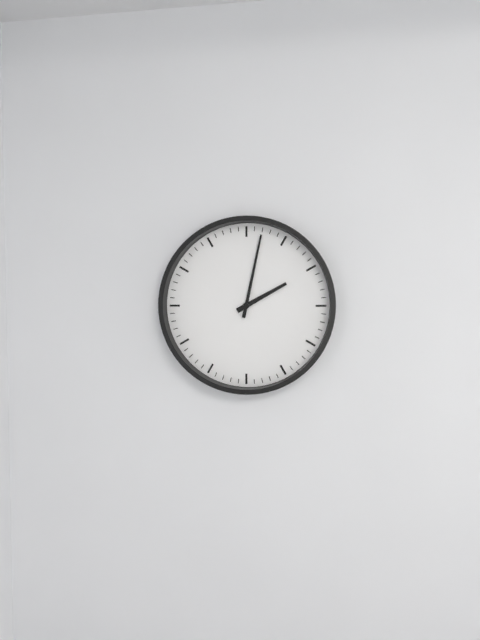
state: 2:02
